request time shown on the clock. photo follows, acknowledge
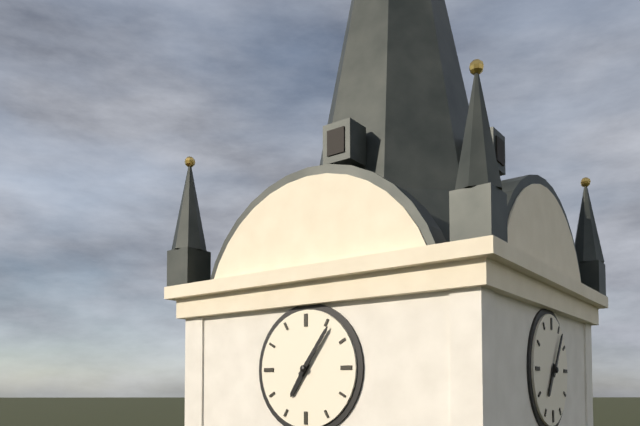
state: 7:06
